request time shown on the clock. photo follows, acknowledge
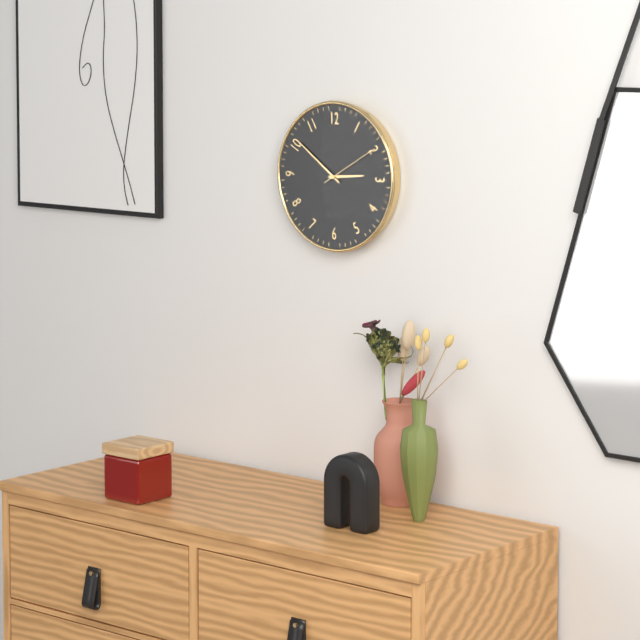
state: 2:51:10
